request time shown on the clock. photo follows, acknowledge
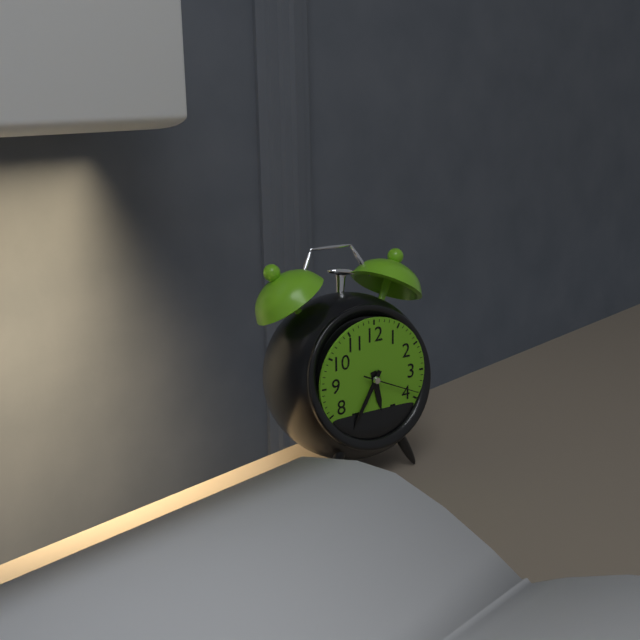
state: 5:35:19
